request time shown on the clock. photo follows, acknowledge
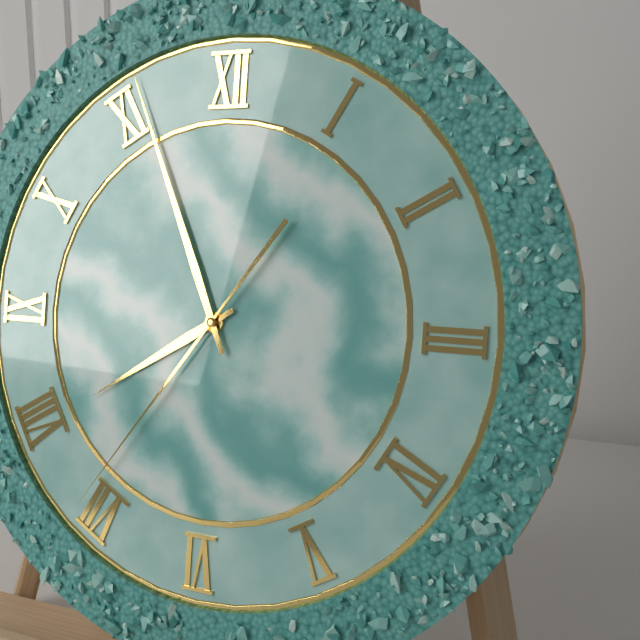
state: 7:56:36
